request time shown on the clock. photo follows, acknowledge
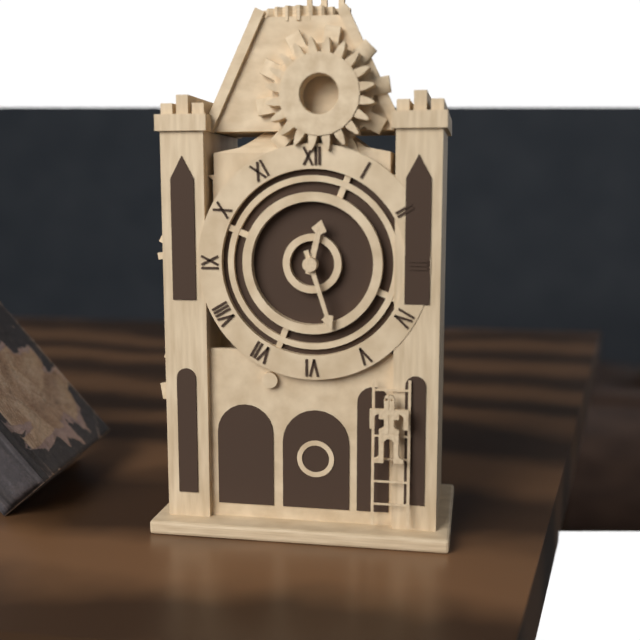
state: 12:27
